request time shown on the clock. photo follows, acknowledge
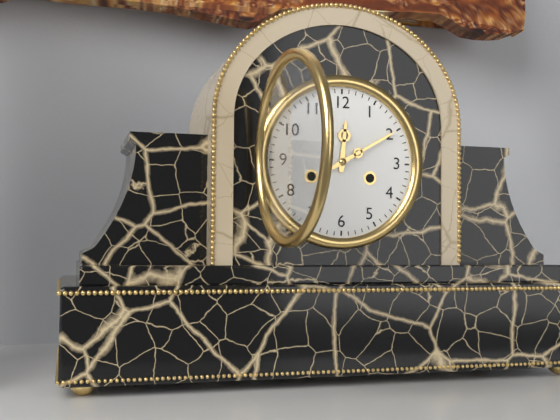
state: 12:10
